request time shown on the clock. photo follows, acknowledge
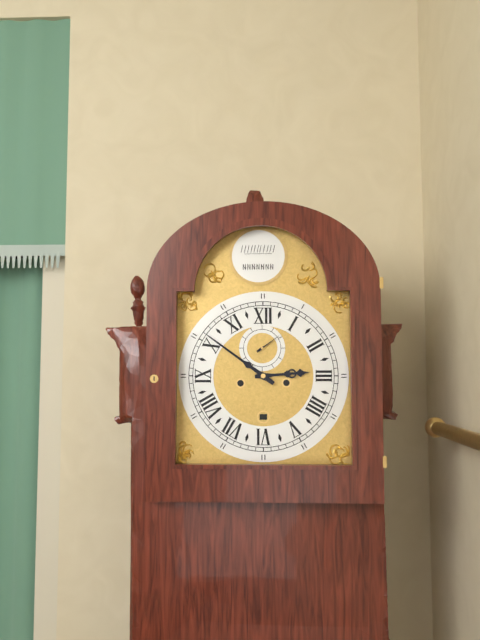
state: 2:51
